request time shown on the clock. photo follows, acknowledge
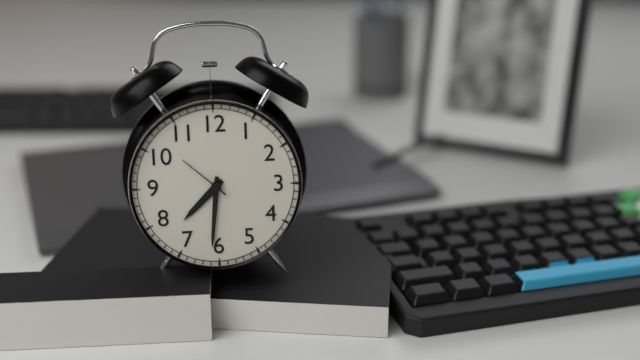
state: 7:31
